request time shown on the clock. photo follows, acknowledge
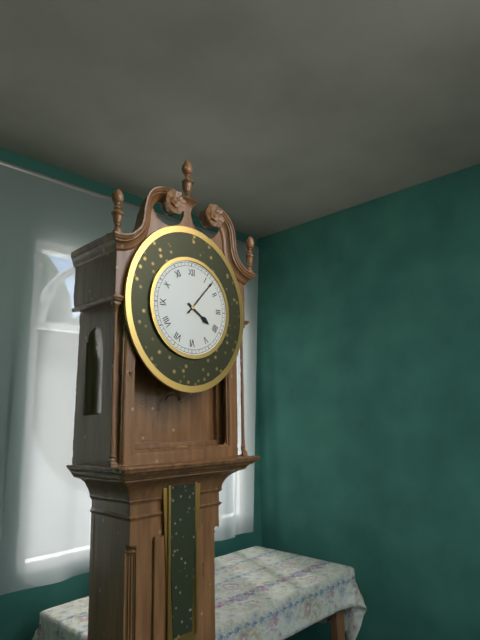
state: 4:07
